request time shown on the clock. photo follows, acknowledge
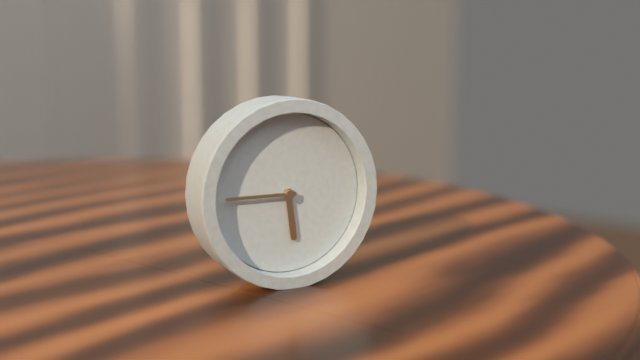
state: 5:45
